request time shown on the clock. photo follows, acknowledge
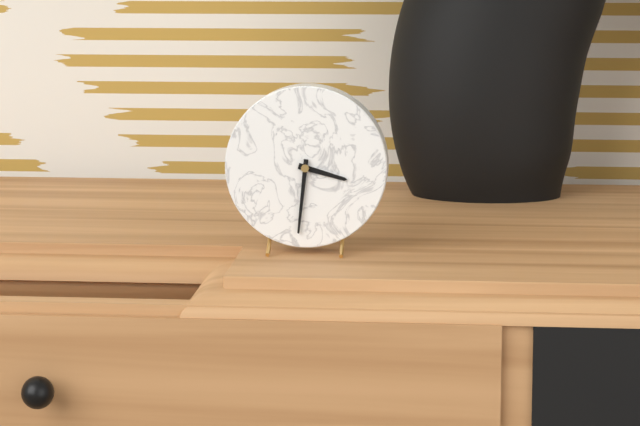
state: 3:31
